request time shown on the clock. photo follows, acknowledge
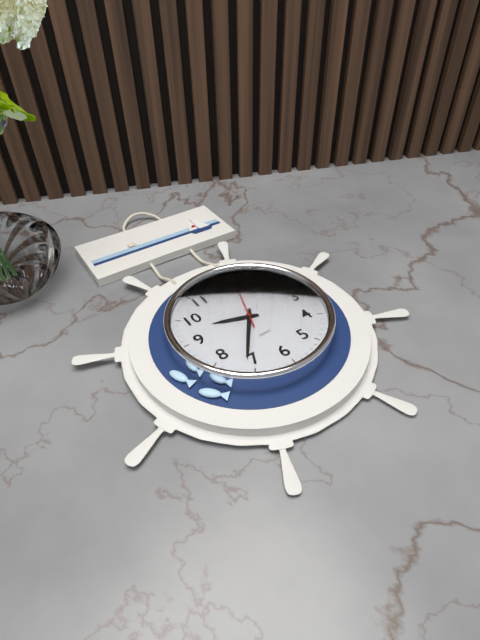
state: 9:36:03
